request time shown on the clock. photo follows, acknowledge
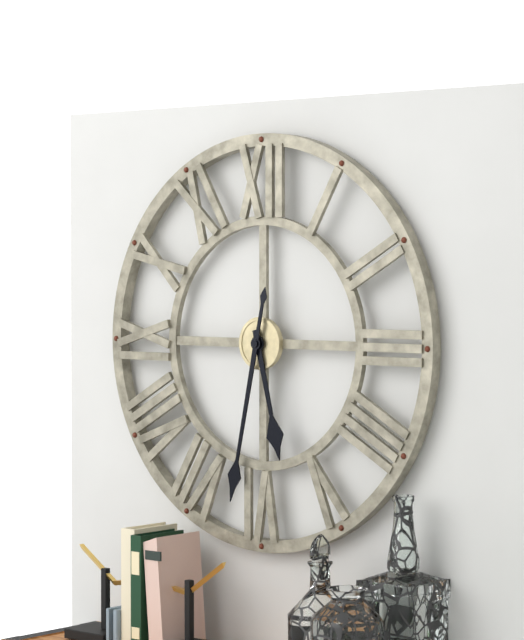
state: 5:32
